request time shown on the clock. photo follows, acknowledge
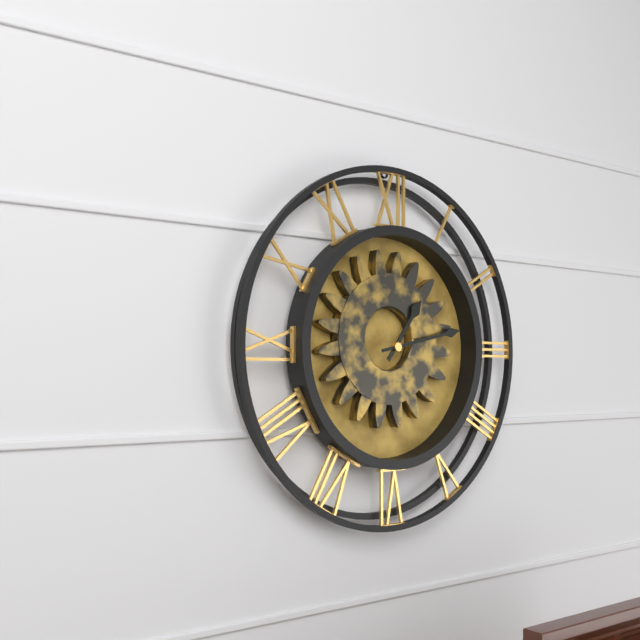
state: 1:13
